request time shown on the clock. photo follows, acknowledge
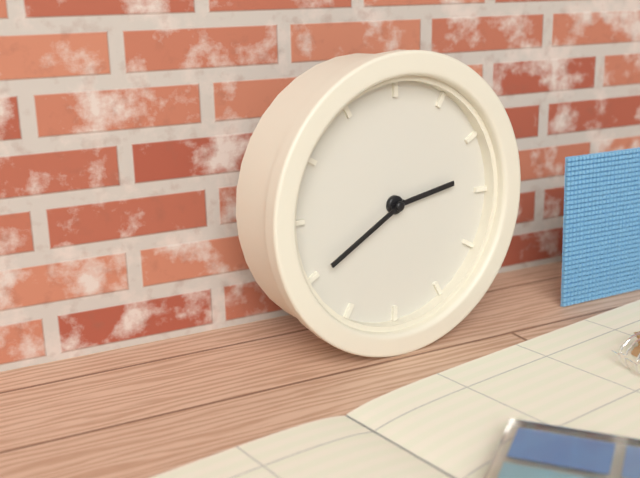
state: 2:40
